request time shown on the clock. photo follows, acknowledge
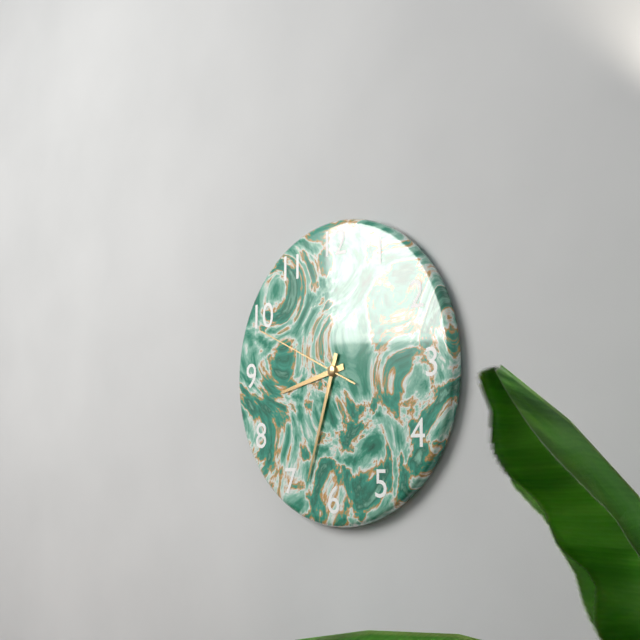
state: 8:33:49
